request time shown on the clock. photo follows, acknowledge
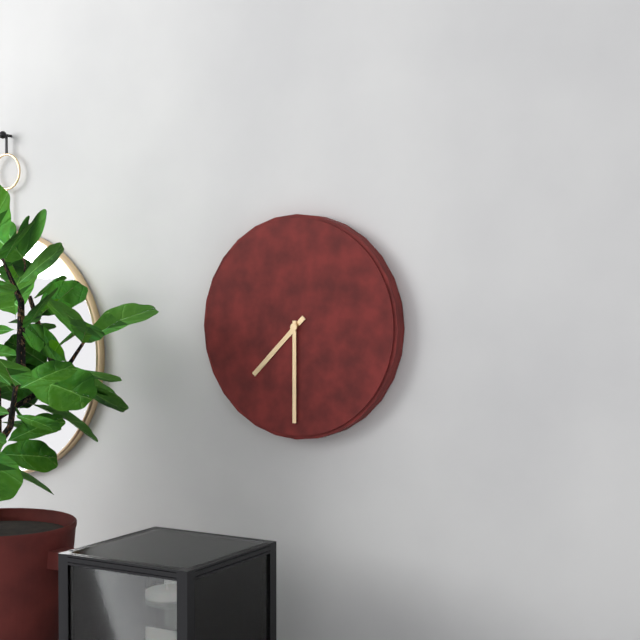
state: 7:30
